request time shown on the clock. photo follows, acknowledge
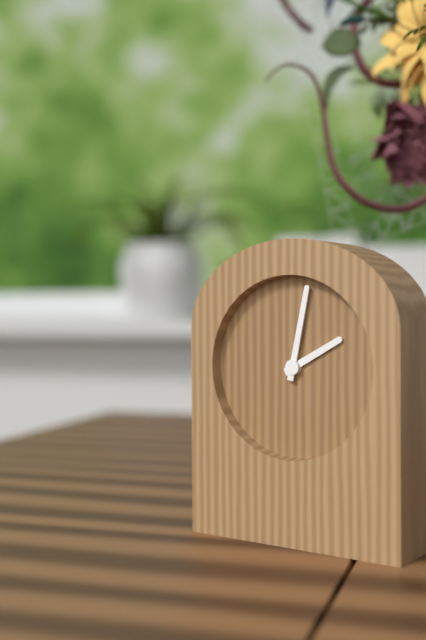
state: 2:02
